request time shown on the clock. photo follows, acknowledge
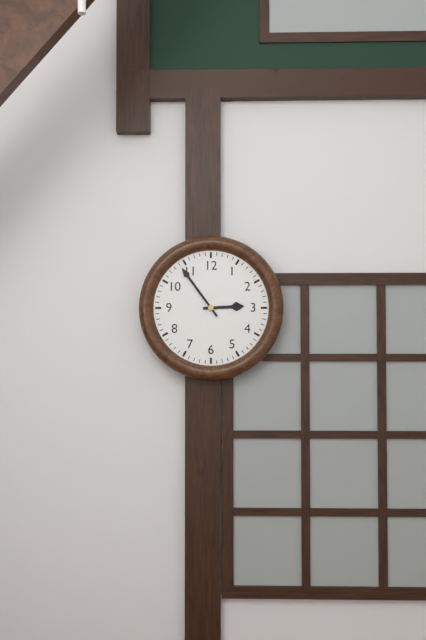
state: 2:54
